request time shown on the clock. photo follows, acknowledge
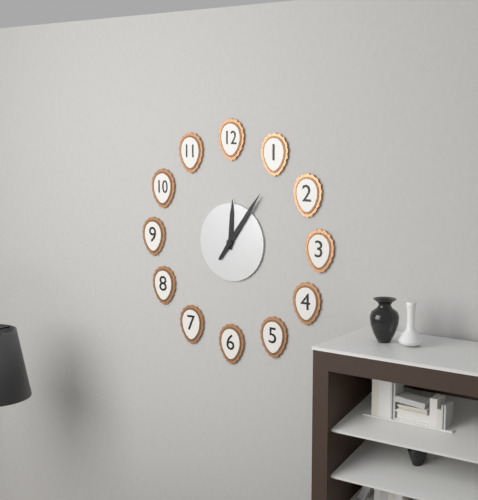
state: 12:06
